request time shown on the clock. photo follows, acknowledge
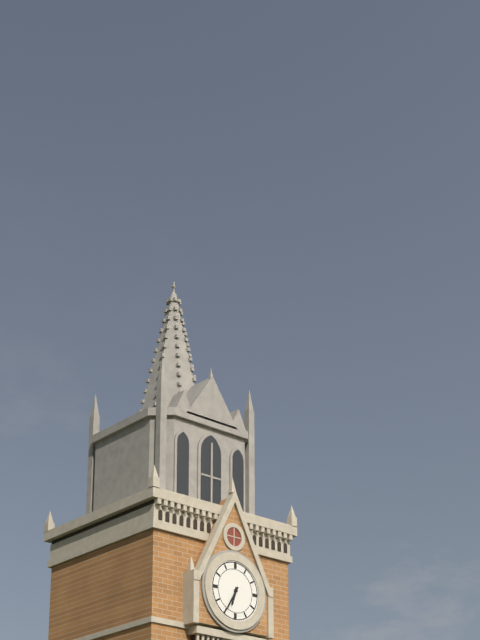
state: 6:35
